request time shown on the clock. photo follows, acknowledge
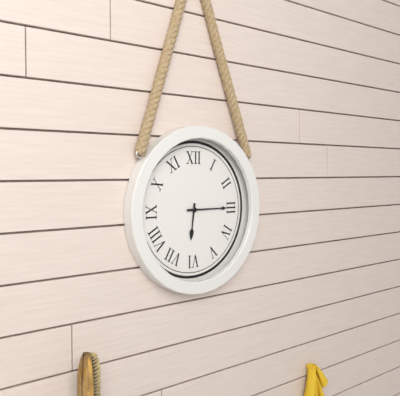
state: 6:15
